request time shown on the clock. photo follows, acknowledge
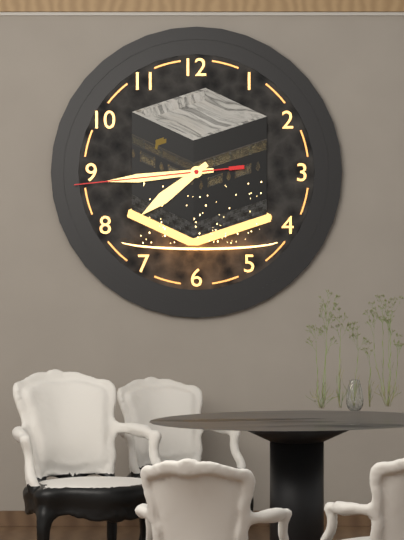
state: 7:44:44
